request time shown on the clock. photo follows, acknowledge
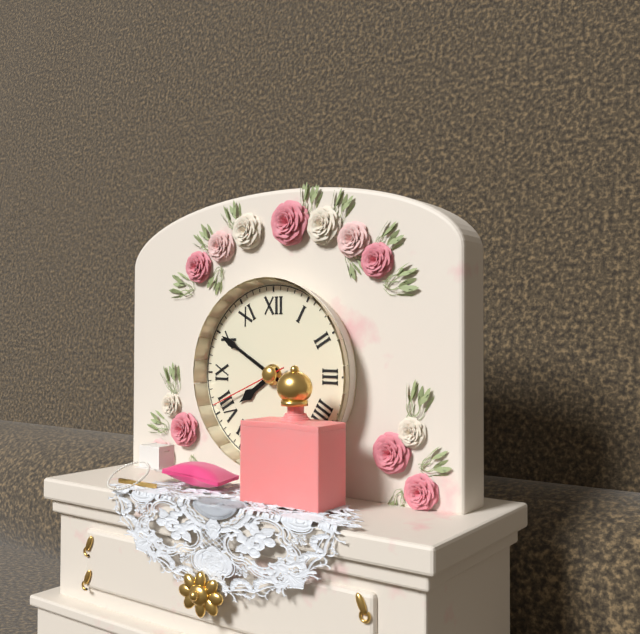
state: 7:50:41
